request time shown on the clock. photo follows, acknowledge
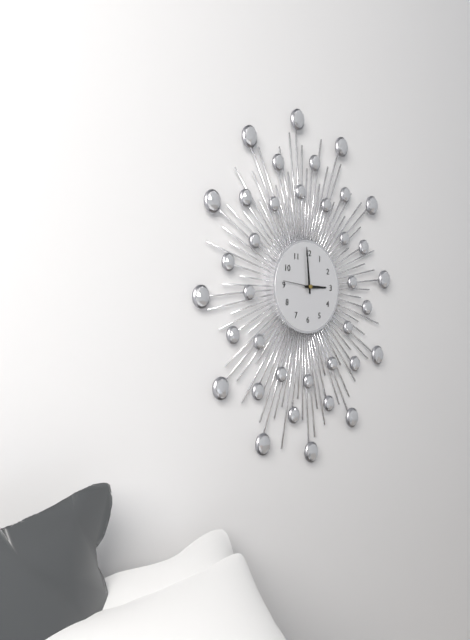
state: 2:59
